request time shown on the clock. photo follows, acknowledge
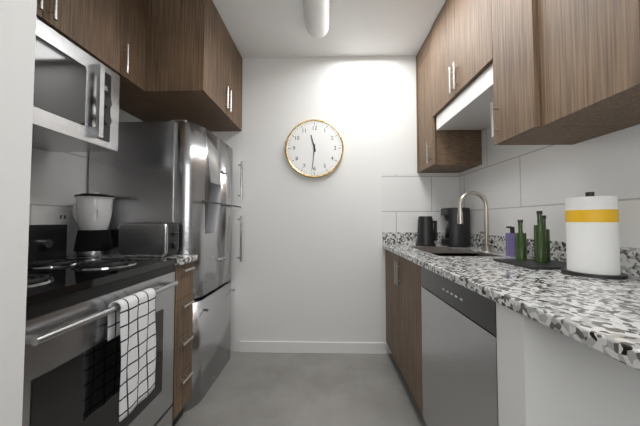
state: 11:31
